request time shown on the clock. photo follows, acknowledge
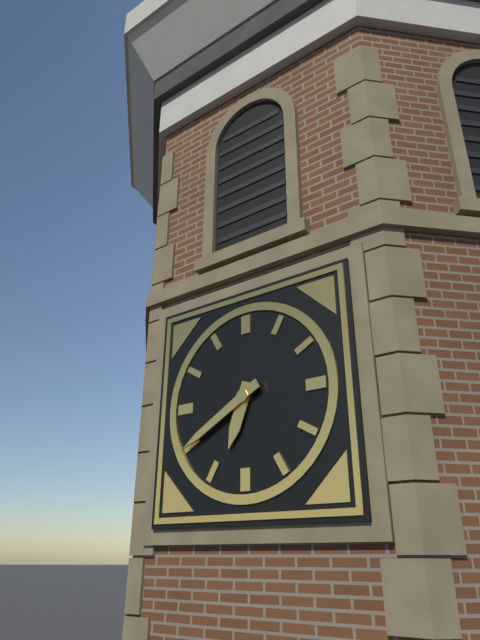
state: 6:40
